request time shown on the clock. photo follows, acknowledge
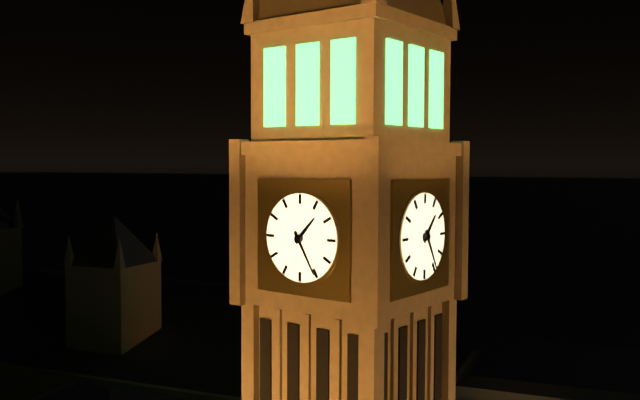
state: 1:25
